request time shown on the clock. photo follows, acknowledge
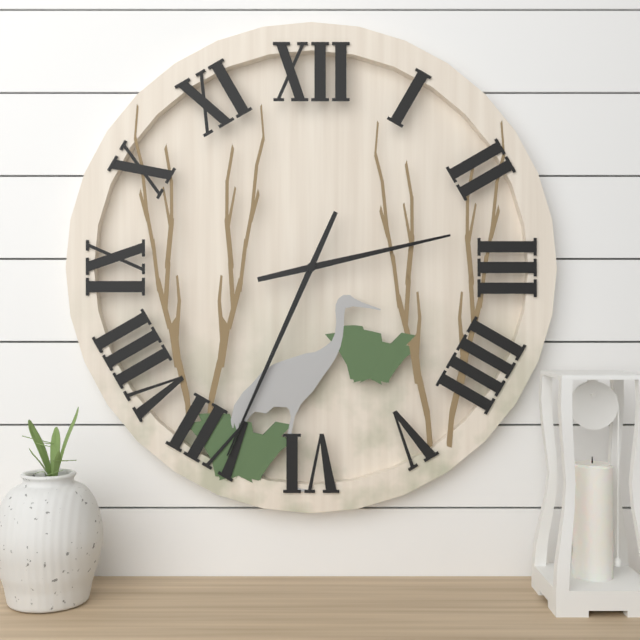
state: 2:34
